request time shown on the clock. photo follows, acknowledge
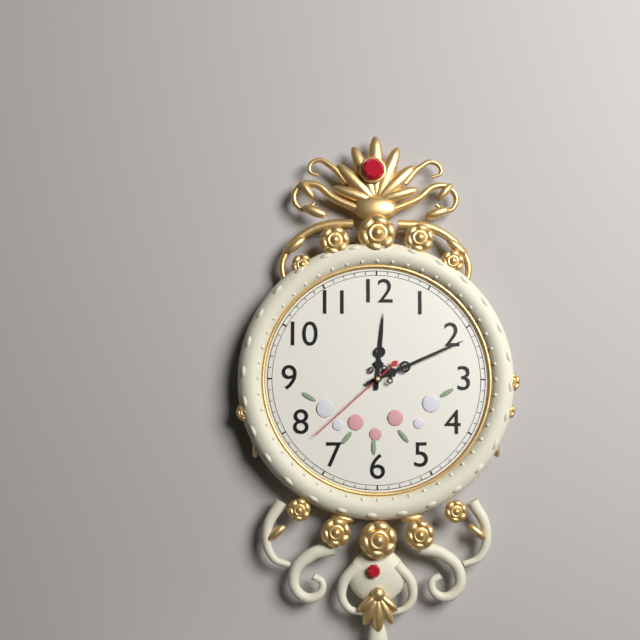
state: 12:11:38
